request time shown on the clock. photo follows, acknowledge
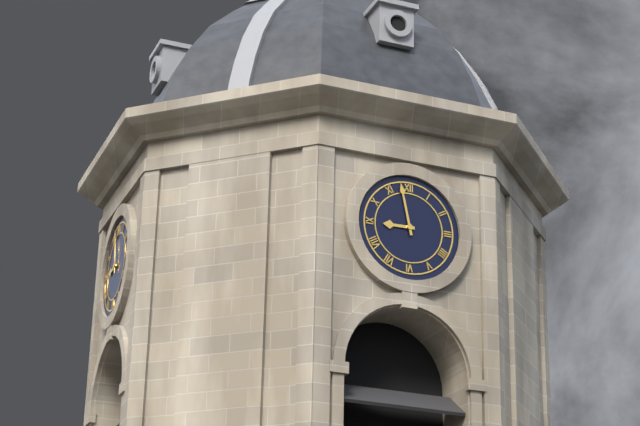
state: 8:58
